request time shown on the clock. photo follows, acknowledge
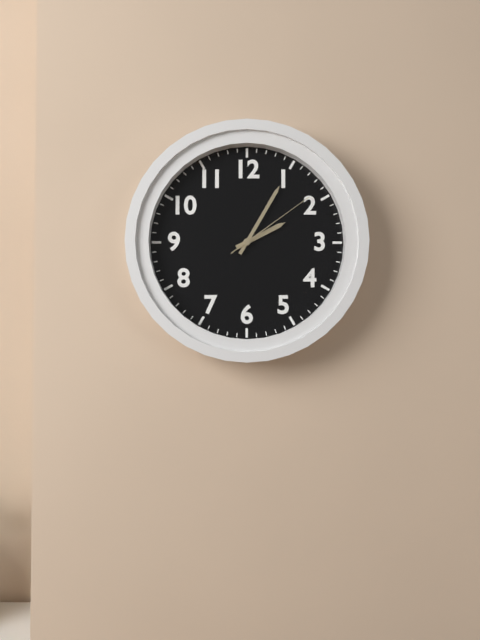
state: 2:05:09
